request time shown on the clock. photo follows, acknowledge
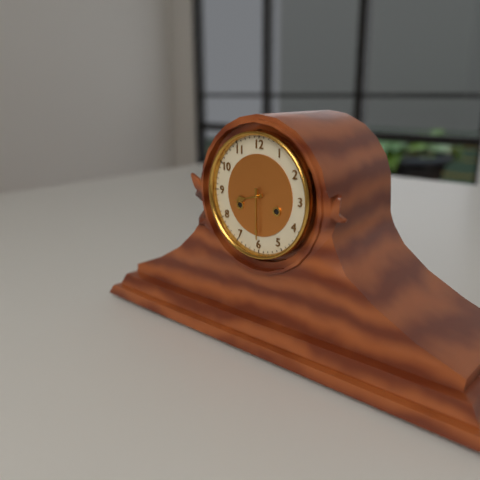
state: 8:30
